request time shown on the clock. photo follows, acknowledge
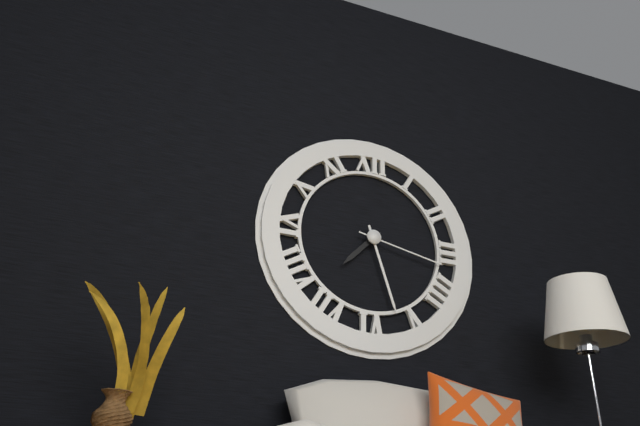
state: 7:27:17
